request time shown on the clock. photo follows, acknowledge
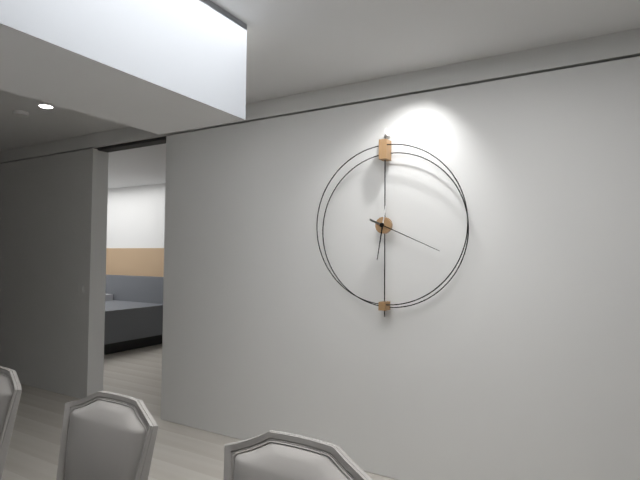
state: 6:19
